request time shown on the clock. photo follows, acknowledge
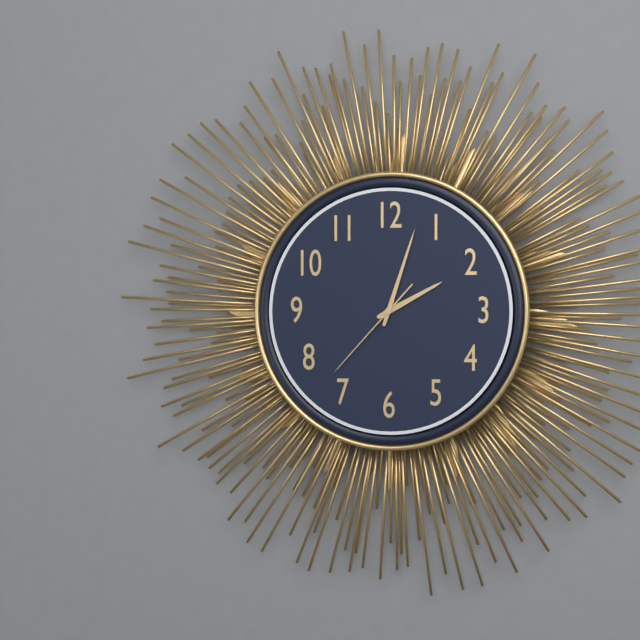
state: 2:03:37
